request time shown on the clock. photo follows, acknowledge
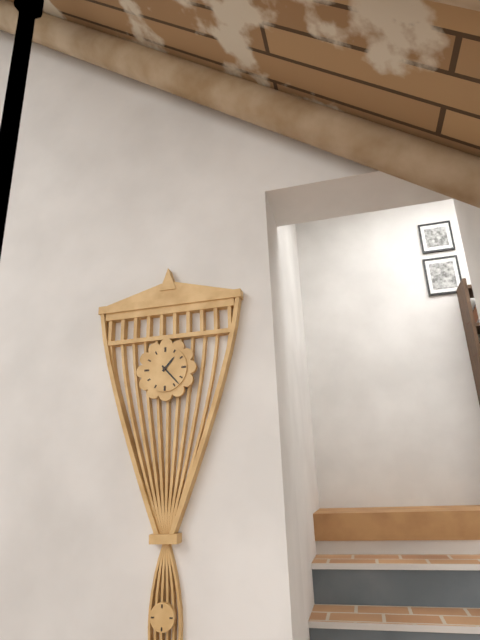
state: 1:23
